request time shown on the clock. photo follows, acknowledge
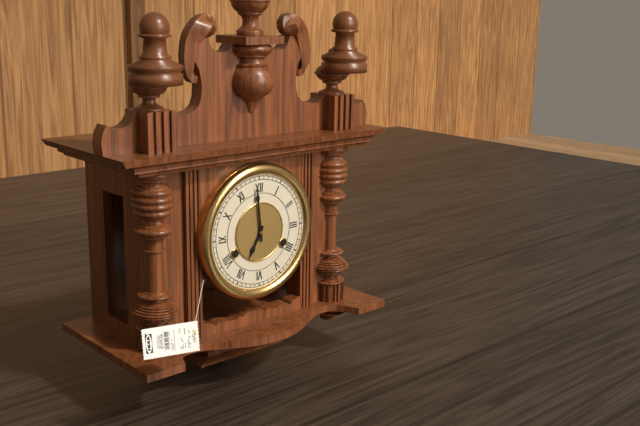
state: 6:59
